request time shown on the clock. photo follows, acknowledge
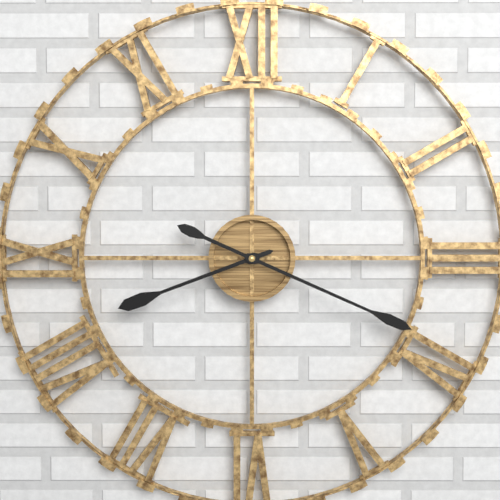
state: 8:19
